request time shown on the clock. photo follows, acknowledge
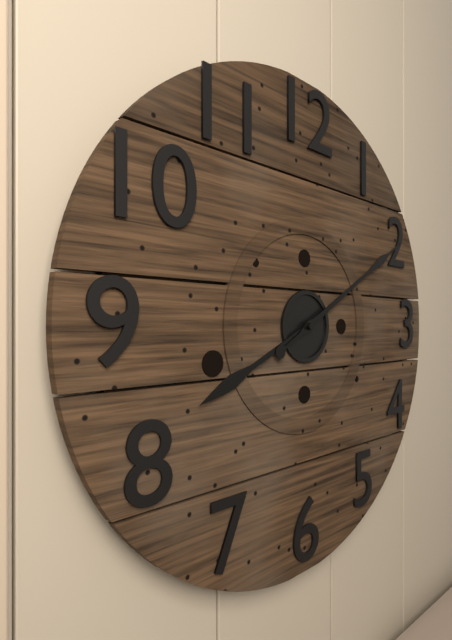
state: 8:10
